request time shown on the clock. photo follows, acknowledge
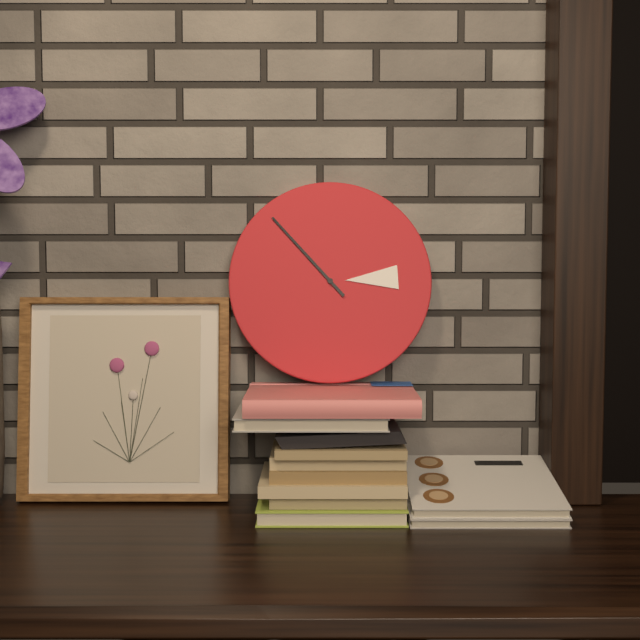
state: 2:53
